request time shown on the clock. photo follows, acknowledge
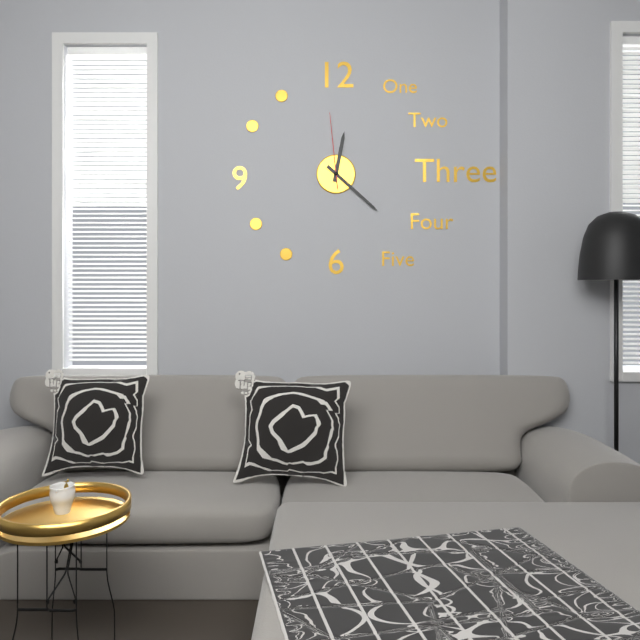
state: 12:22:59
